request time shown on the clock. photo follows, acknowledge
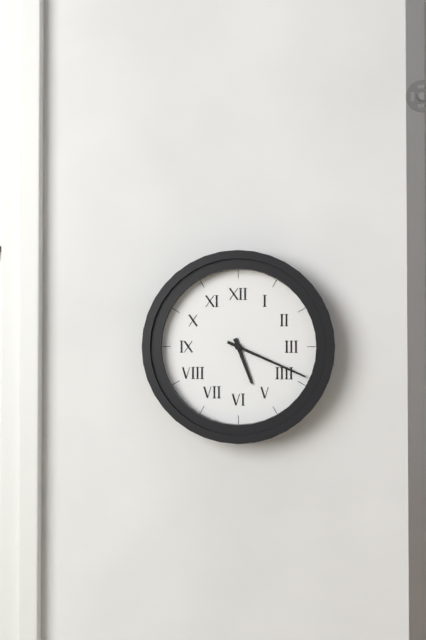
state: 5:19
